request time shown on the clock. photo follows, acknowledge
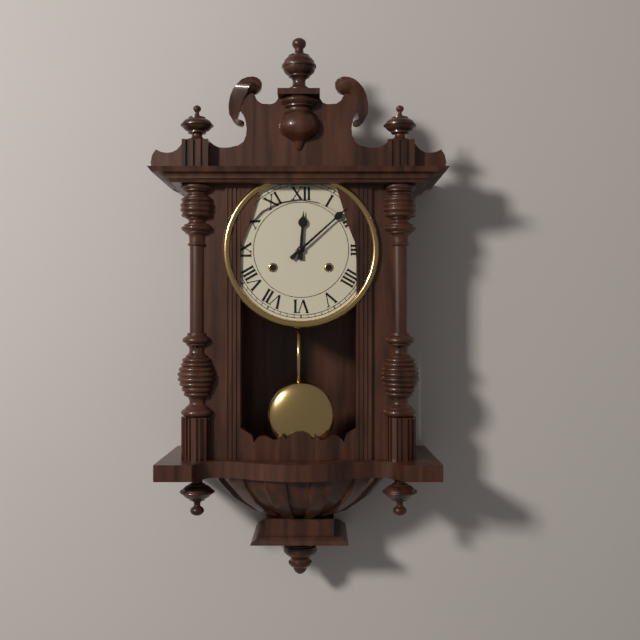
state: 12:08
